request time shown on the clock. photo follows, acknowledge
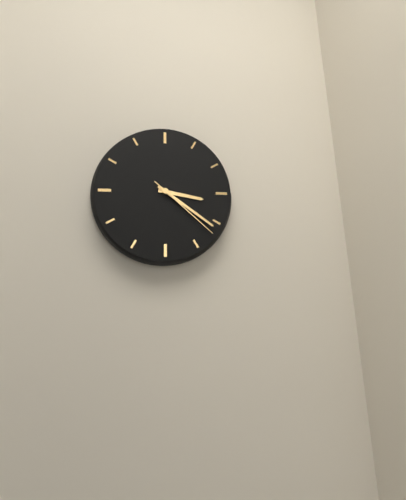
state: 3:21:22
